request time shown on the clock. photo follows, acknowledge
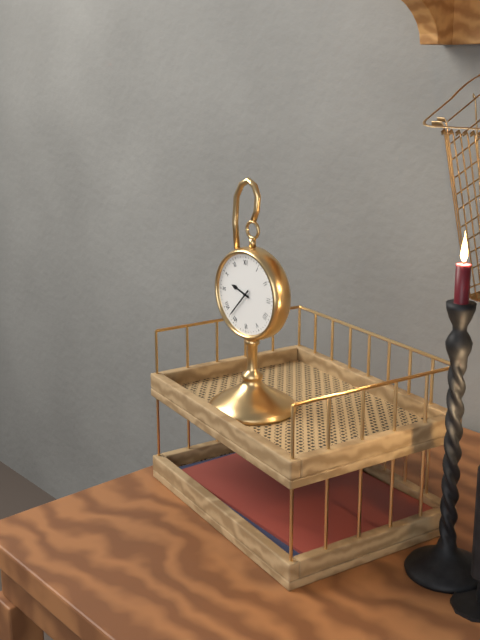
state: 9:37
